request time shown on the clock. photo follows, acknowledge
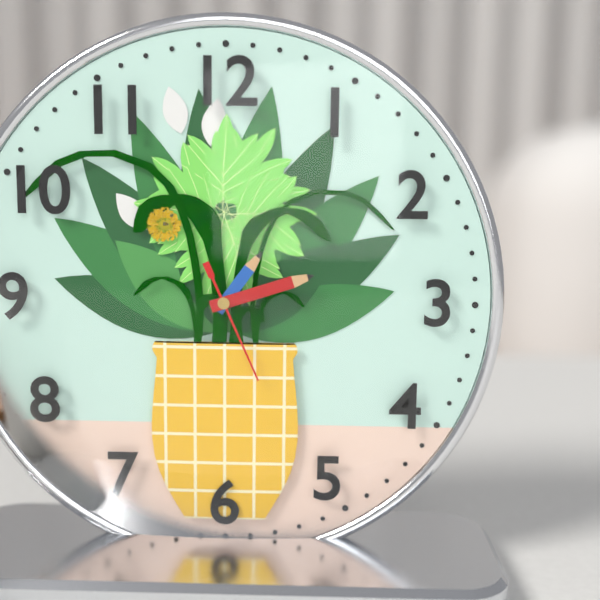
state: 1:12:26
